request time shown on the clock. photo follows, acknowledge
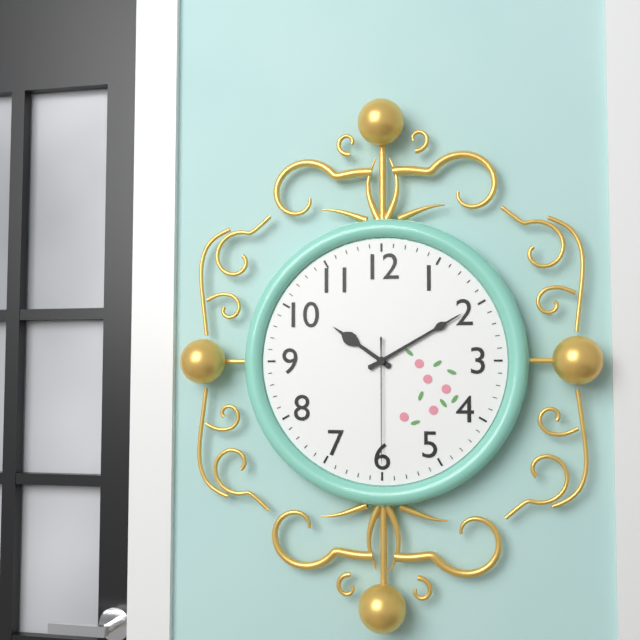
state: 10:10:30
